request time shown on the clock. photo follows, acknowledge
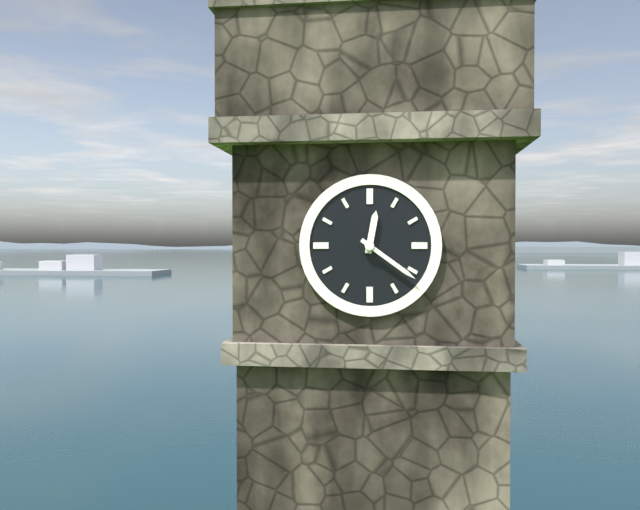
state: 12:21
